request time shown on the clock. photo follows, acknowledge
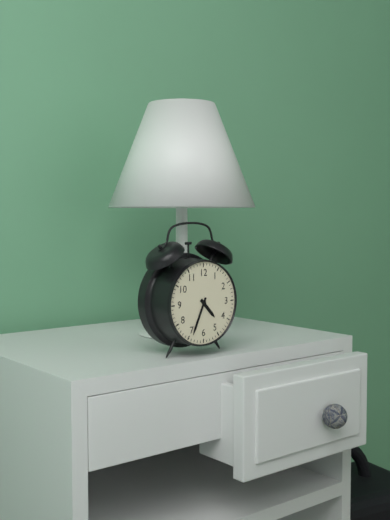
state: 4:34
